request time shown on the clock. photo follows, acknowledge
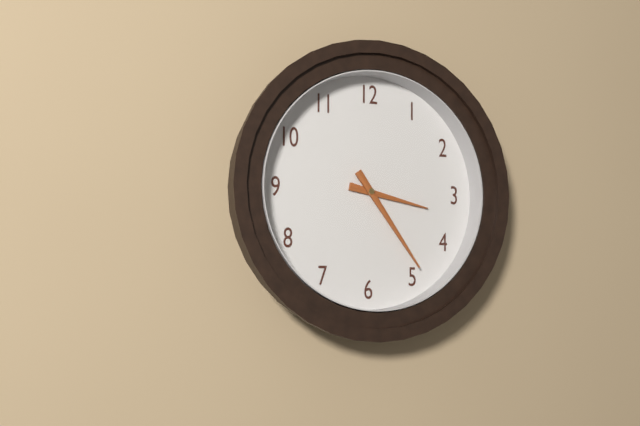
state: 3:24
